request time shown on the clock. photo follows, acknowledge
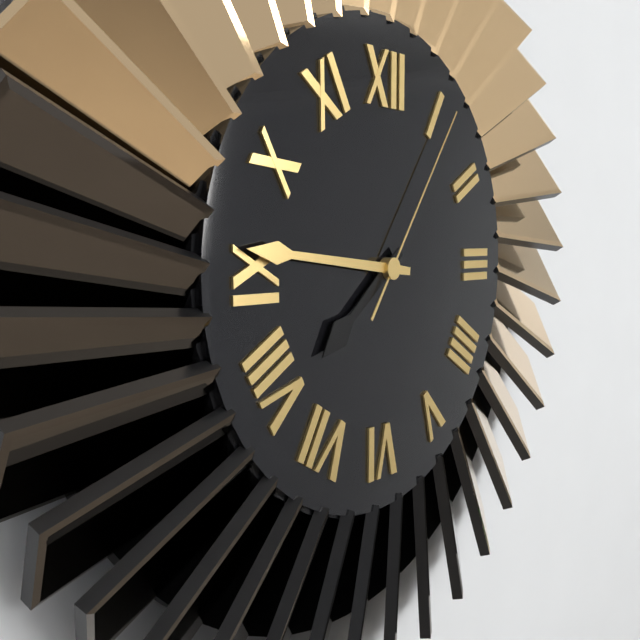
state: 7:46:06
